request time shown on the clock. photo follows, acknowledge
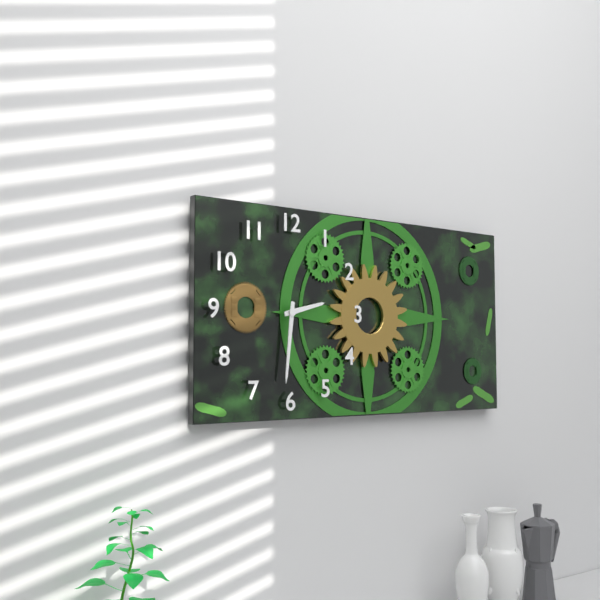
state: 2:31
